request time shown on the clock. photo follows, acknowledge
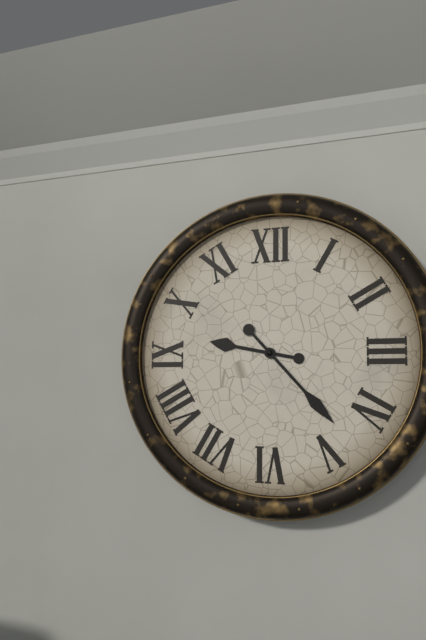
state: 9:23
